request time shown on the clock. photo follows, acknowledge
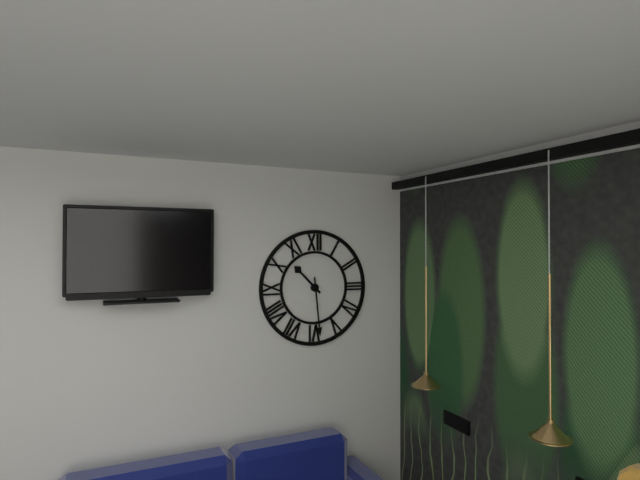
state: 10:29
